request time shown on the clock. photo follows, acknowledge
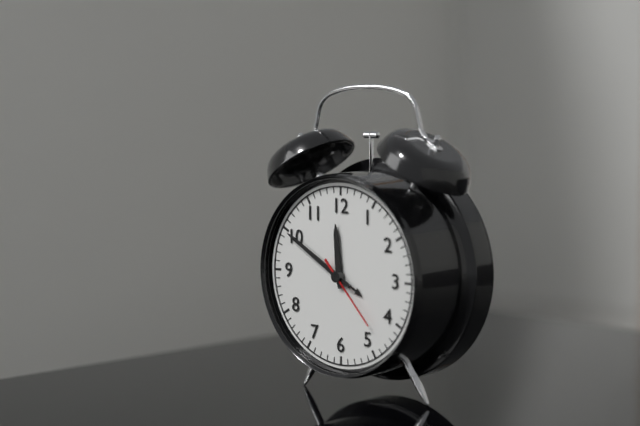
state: 11:50:23
